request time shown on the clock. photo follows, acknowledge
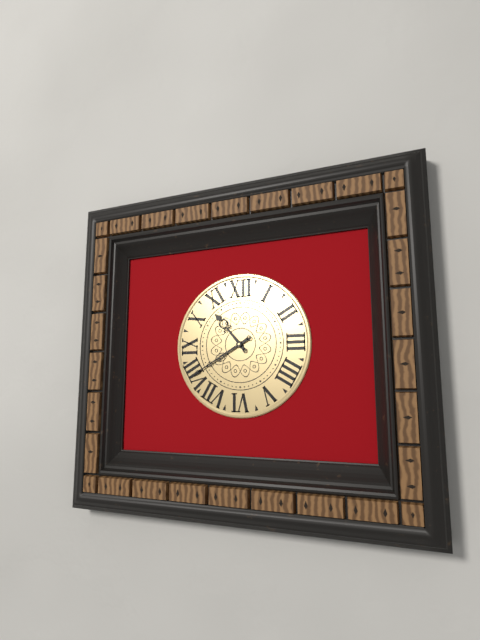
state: 10:40
